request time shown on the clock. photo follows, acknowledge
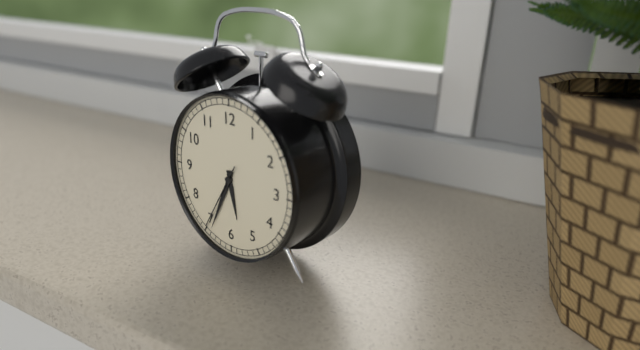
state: 5:34:35
